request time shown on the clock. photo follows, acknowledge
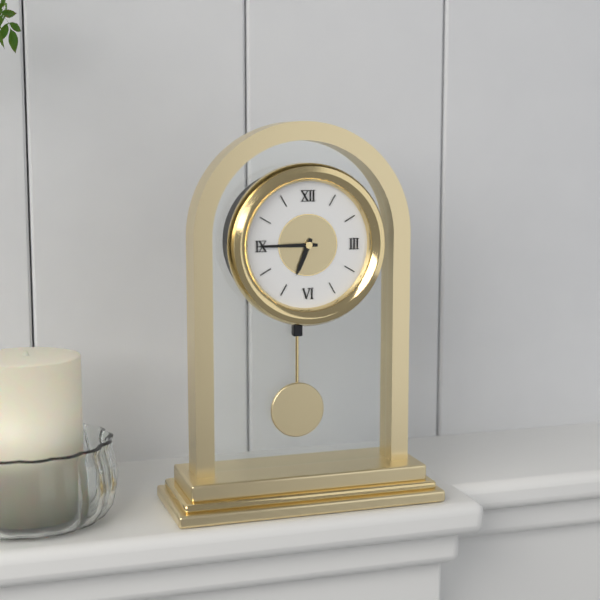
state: 6:45
